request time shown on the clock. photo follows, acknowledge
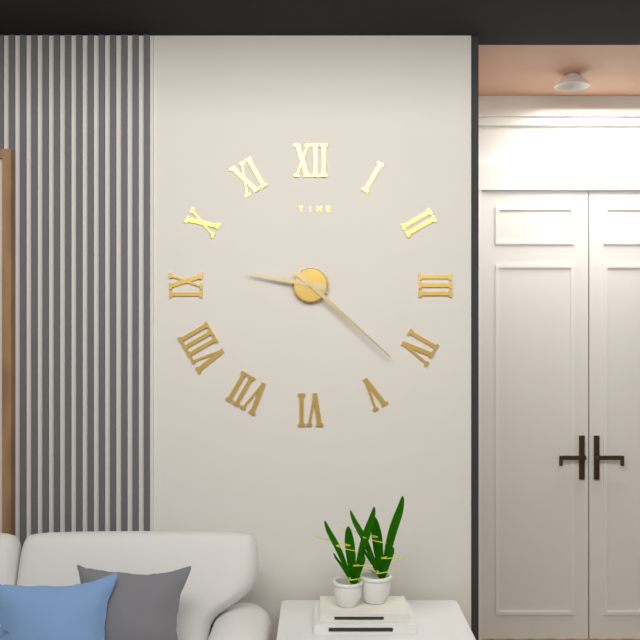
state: 9:22
